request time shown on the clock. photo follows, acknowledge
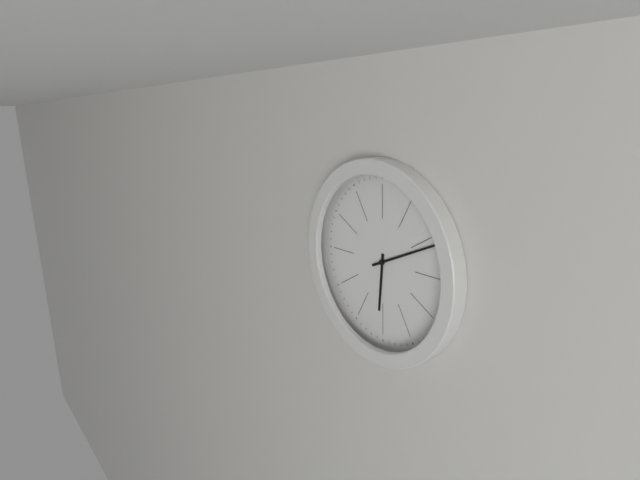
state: 6:11
